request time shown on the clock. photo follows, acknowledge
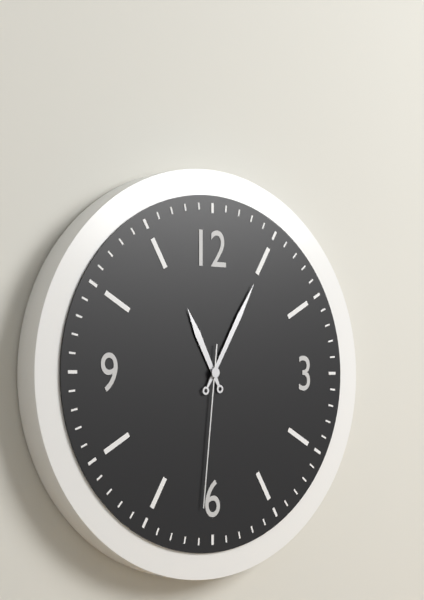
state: 11:05:31
